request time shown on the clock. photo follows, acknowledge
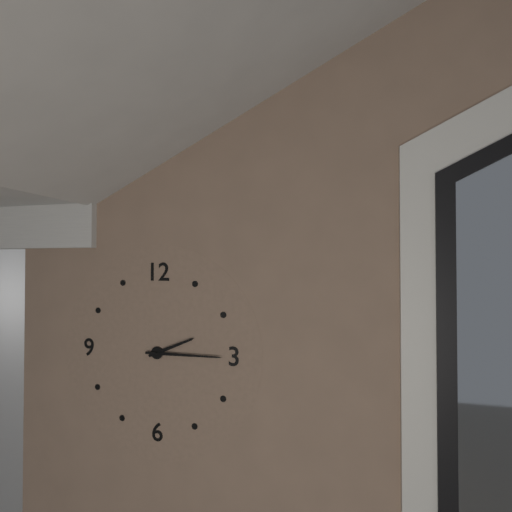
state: 2:15
